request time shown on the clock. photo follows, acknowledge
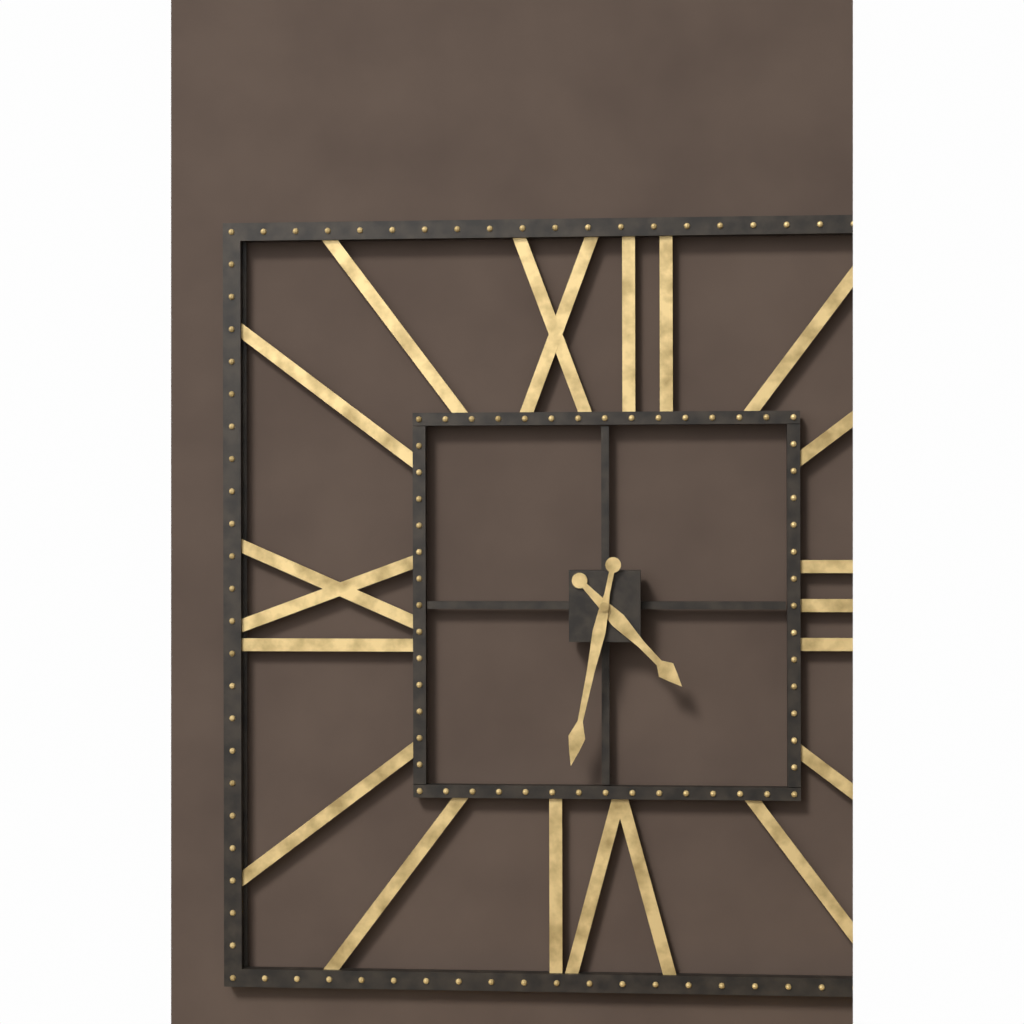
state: 4:32
